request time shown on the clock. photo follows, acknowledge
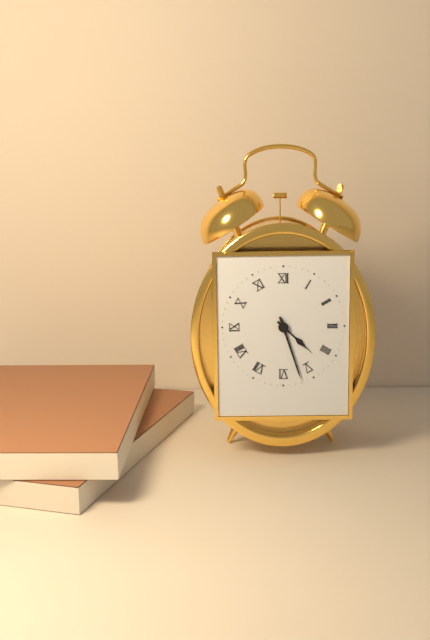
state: 4:27
